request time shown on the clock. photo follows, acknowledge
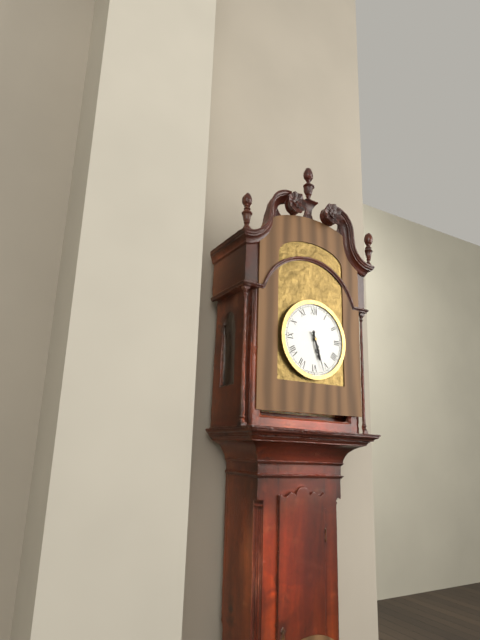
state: 5:27
